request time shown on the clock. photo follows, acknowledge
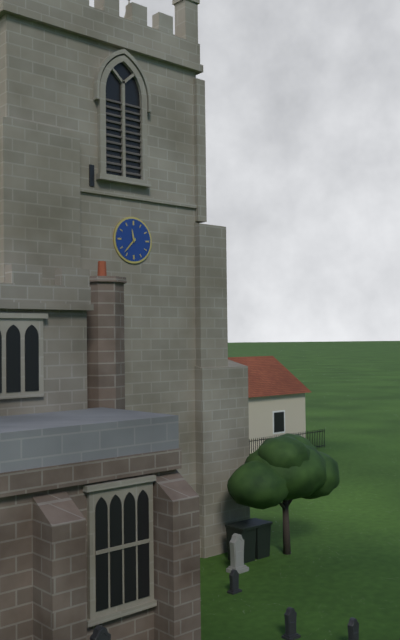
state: 11:37
